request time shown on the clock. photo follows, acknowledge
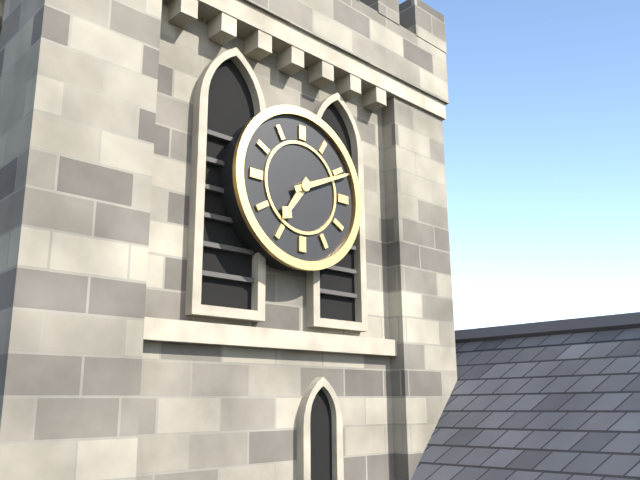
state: 7:11
